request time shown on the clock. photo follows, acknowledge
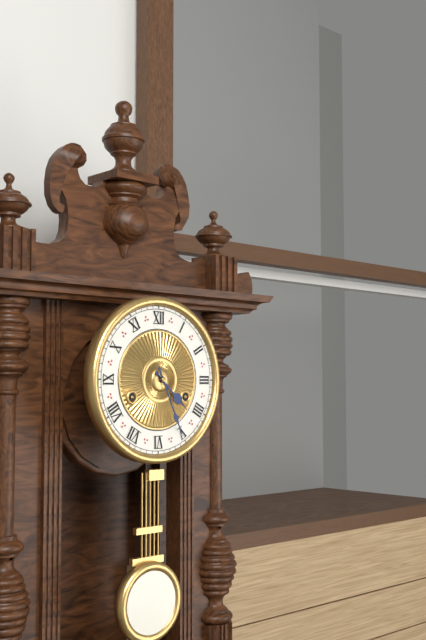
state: 4:26
